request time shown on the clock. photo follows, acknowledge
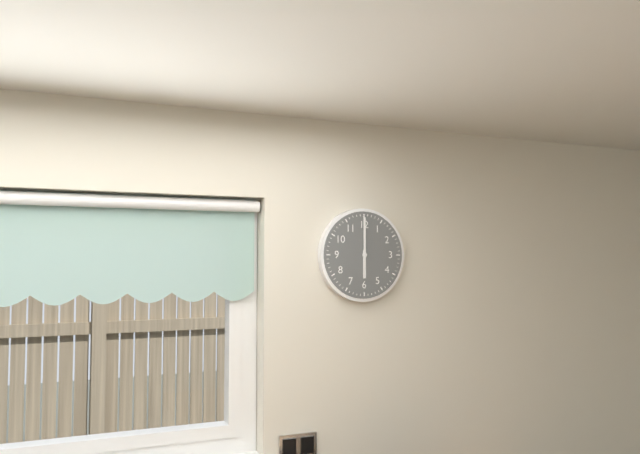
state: 6:00
